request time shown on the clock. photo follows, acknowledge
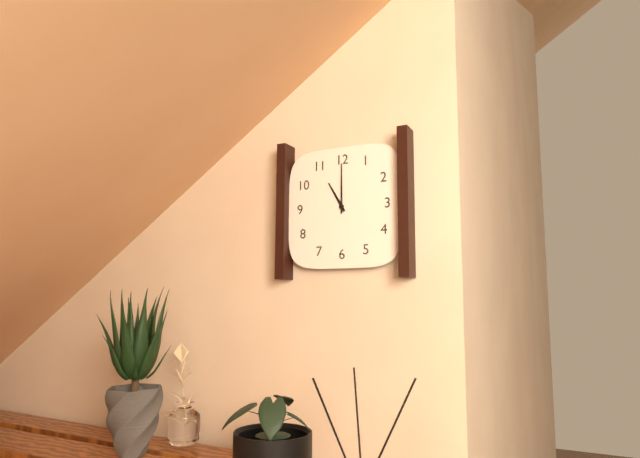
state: 11:00
